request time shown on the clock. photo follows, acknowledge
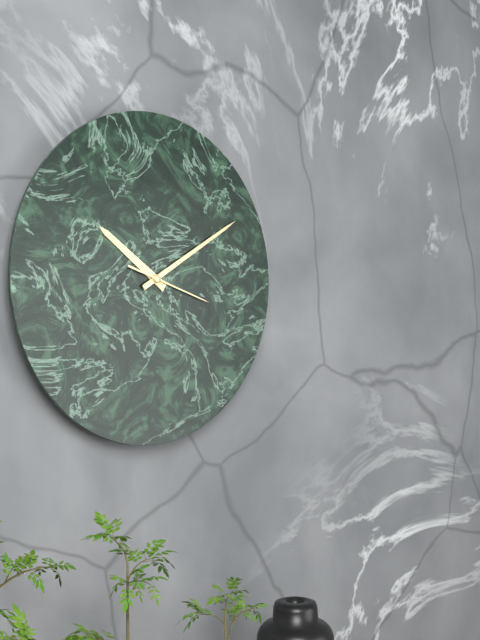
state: 10:10:18
